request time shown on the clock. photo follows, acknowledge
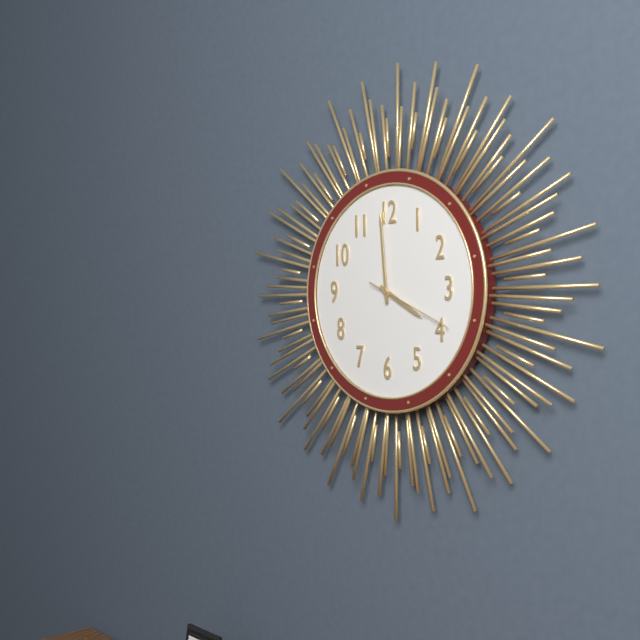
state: 3:59:19
